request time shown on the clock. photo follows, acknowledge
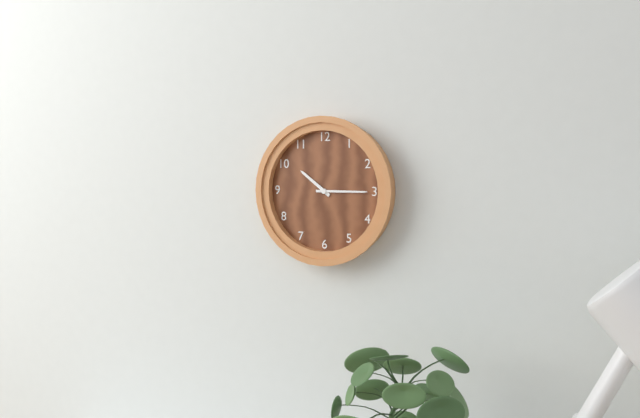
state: 10:15
